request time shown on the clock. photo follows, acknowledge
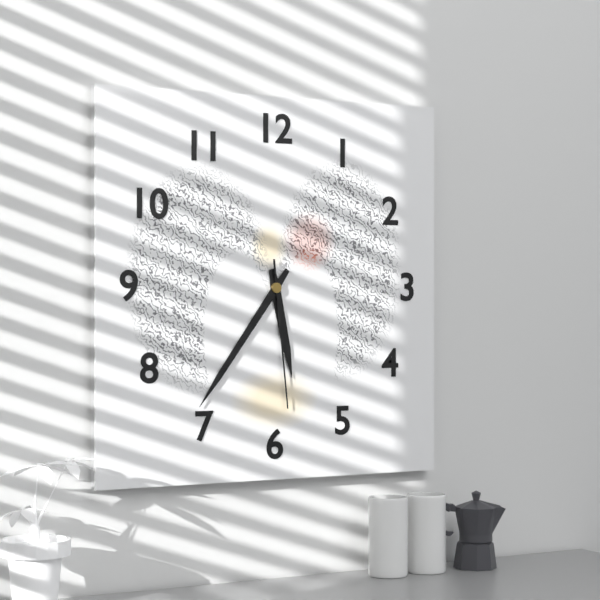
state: 5:36:29
